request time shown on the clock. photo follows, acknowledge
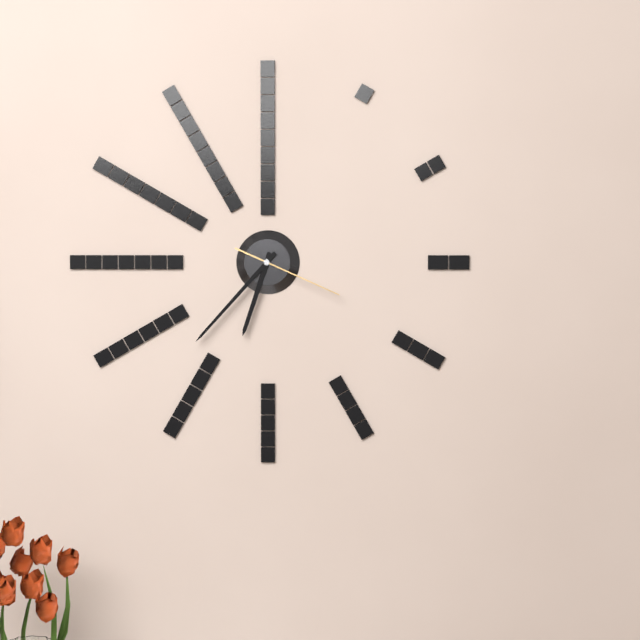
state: 6:37:19
